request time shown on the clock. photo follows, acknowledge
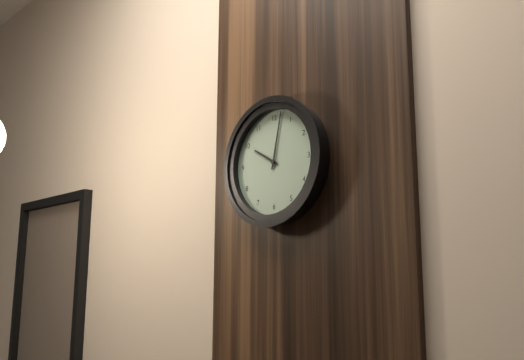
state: 10:02
